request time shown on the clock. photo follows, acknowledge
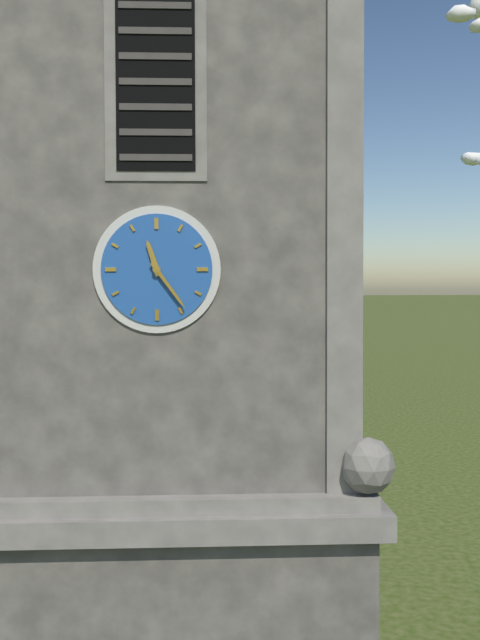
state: 11:24
